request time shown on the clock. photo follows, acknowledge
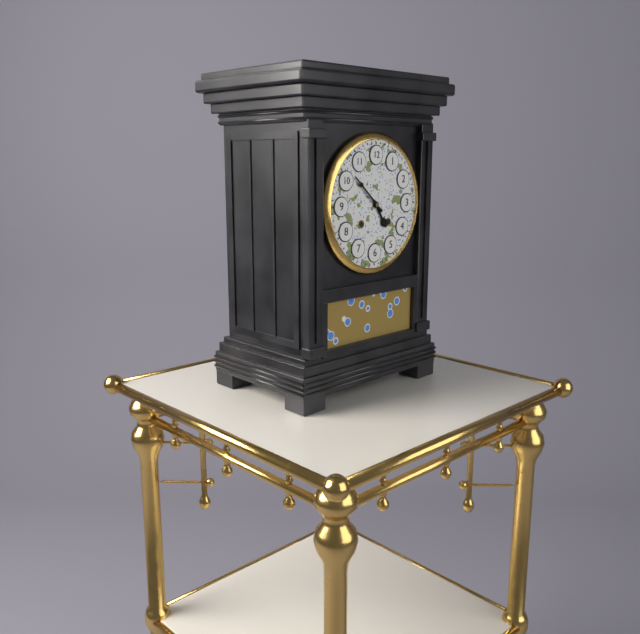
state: 4:52
